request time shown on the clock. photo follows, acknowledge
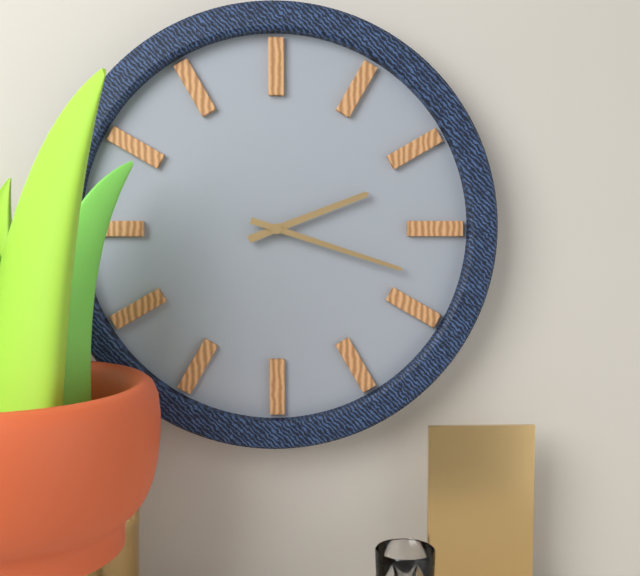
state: 2:18
